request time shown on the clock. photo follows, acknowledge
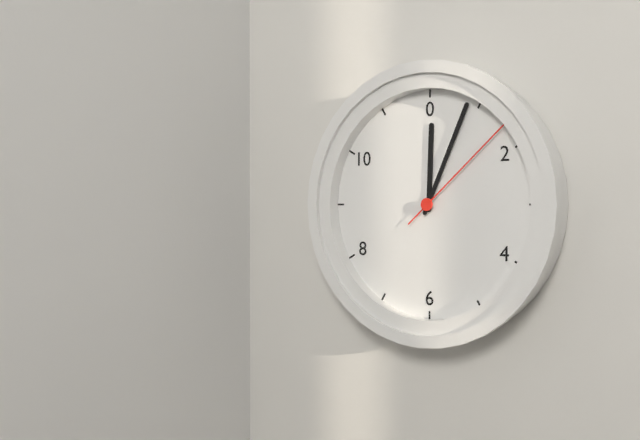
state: 12:04:08
